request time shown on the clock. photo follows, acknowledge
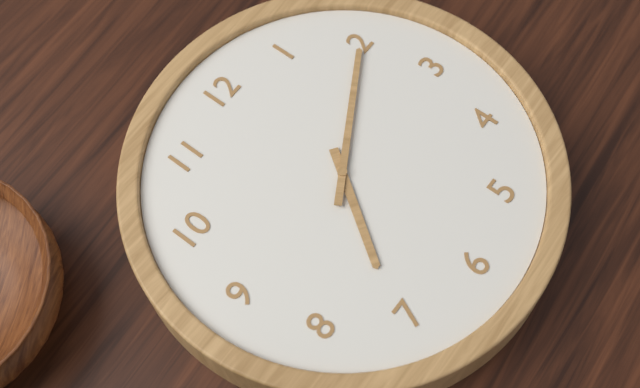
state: 7:10
